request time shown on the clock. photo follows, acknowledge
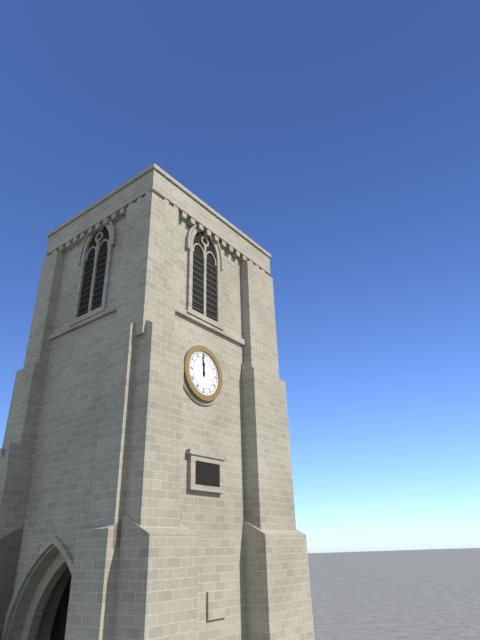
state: 11:59
